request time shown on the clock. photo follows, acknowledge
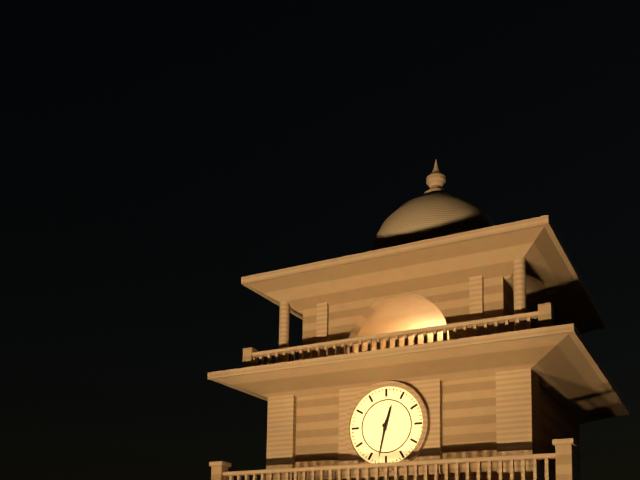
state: 12:32
